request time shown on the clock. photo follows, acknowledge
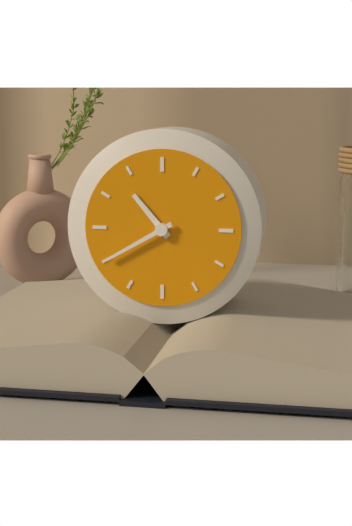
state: 10:40
